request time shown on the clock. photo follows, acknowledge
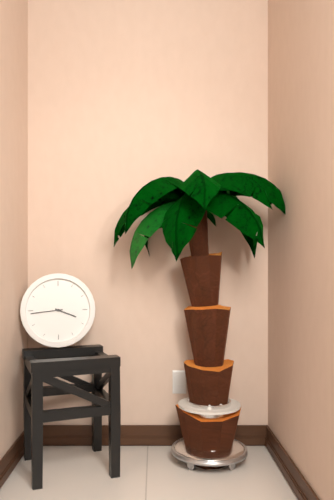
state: 3:44
